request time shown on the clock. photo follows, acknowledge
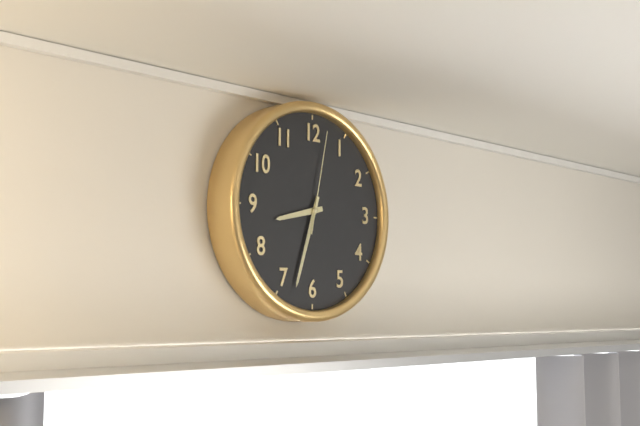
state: 8:33:02
